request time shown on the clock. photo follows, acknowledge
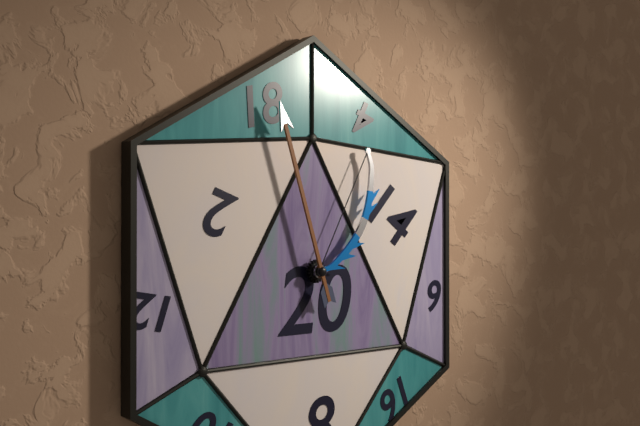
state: 12:57
